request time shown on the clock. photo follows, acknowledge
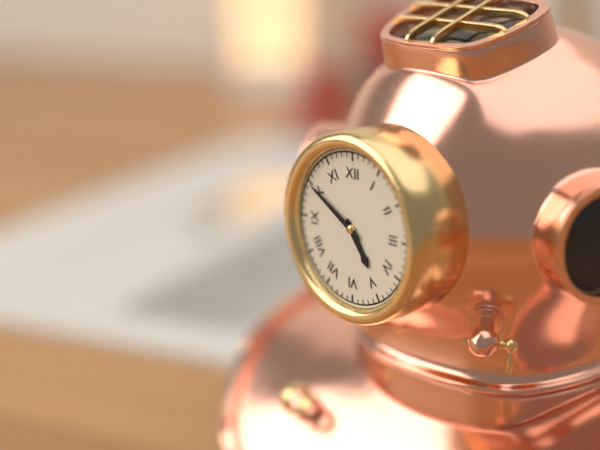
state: 4:50
